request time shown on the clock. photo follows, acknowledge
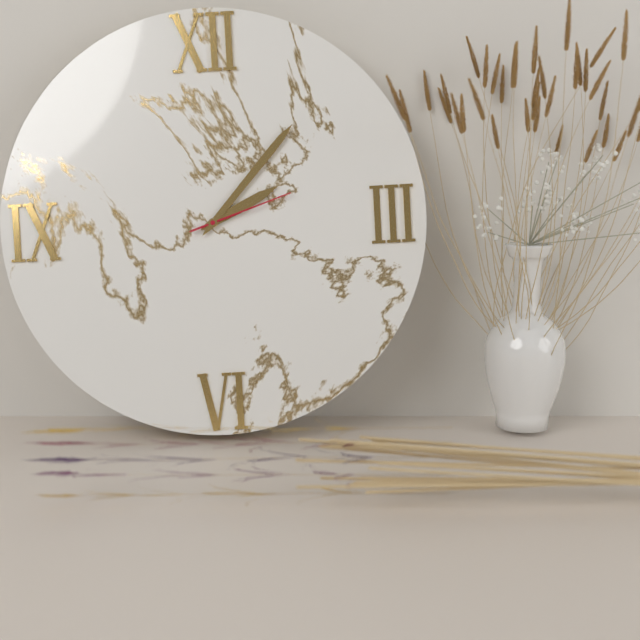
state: 2:07:12
